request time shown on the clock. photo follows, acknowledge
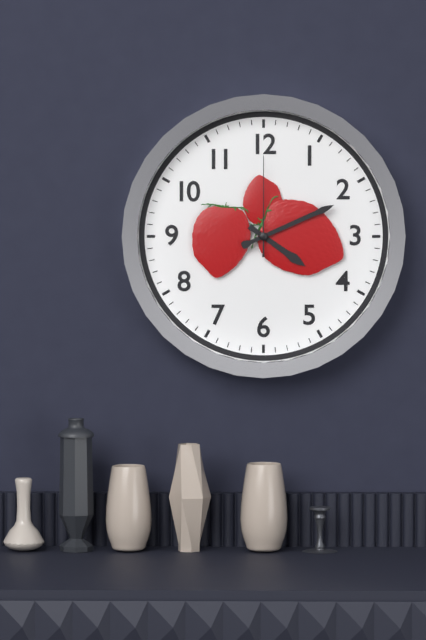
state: 4:11:00
